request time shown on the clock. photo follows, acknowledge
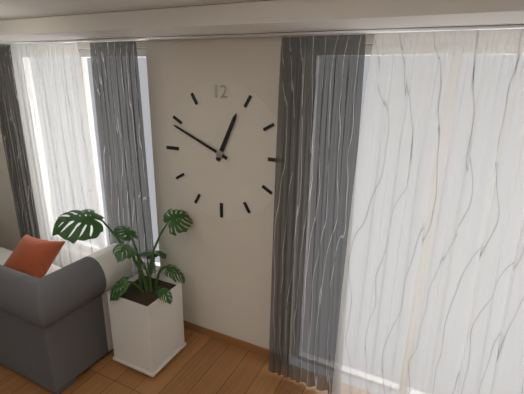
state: 12:49
